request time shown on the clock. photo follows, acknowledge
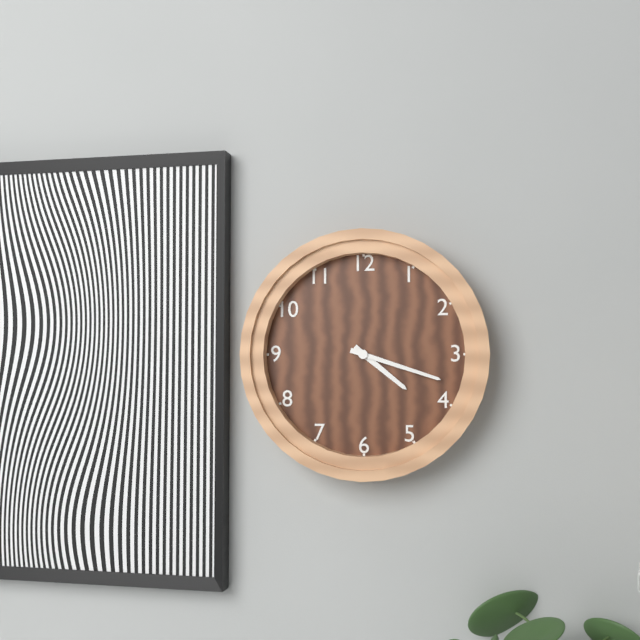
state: 4:18
